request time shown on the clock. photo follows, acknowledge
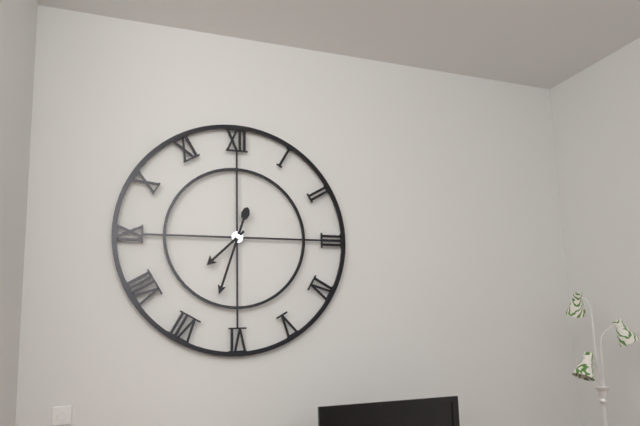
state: 7:33
